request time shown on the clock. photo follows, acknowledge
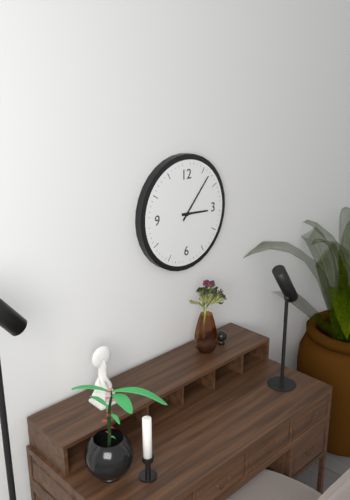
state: 3:07
